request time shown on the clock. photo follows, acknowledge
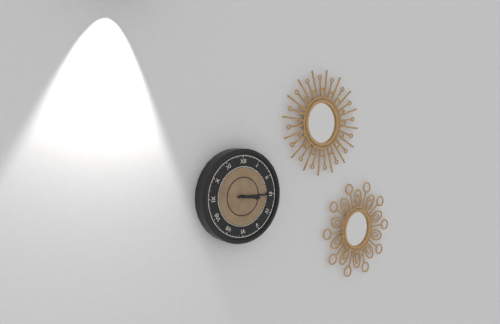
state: 3:15
